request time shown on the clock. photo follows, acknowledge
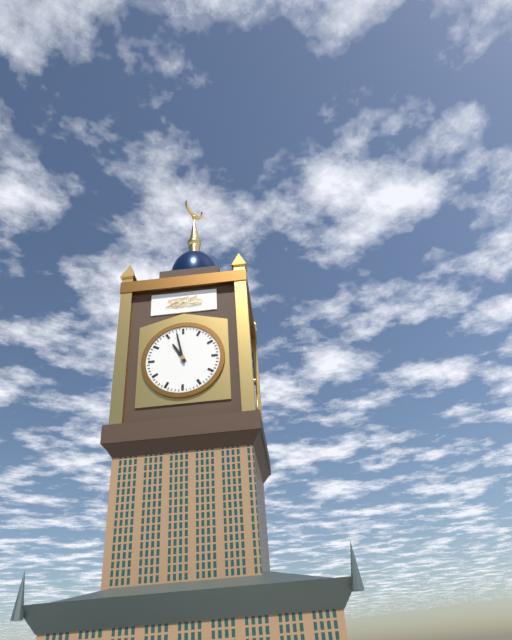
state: 10:58
